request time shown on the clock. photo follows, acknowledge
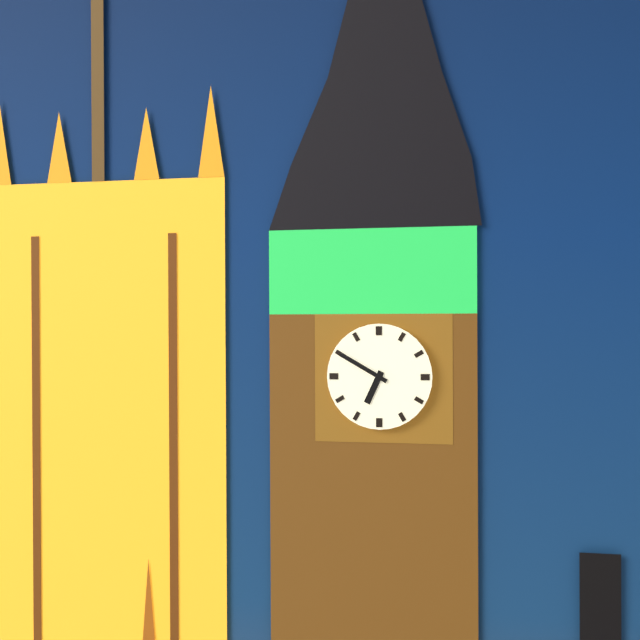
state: 6:50
